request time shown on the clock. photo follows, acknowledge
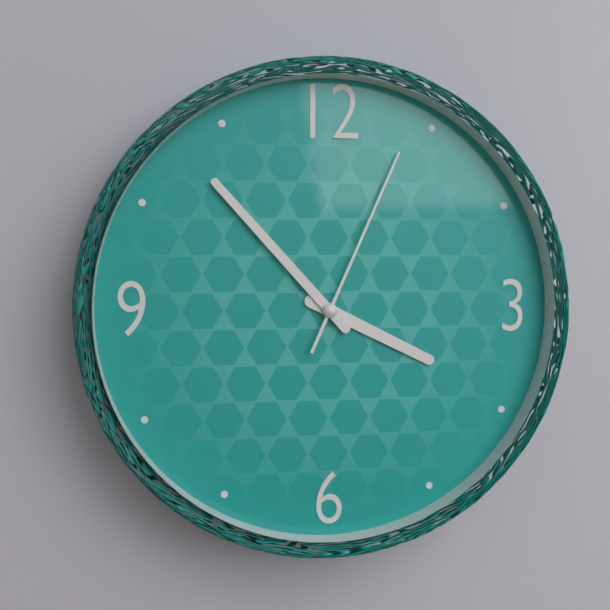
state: 3:53:04
